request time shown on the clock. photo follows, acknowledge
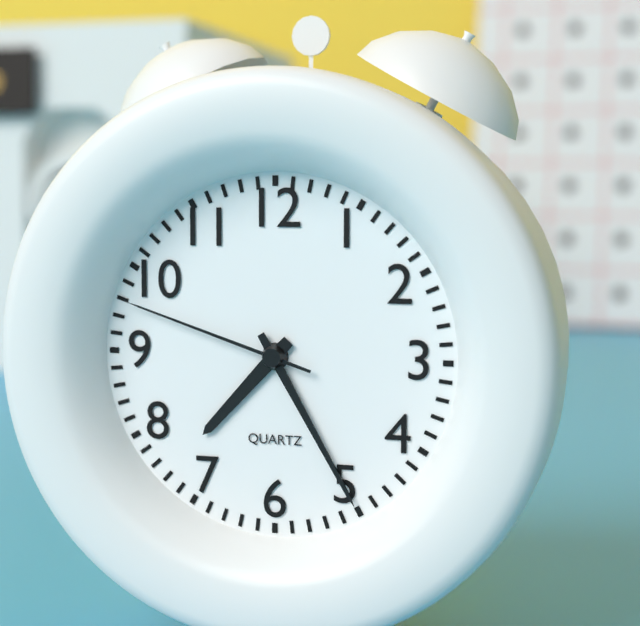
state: 7:25:48
